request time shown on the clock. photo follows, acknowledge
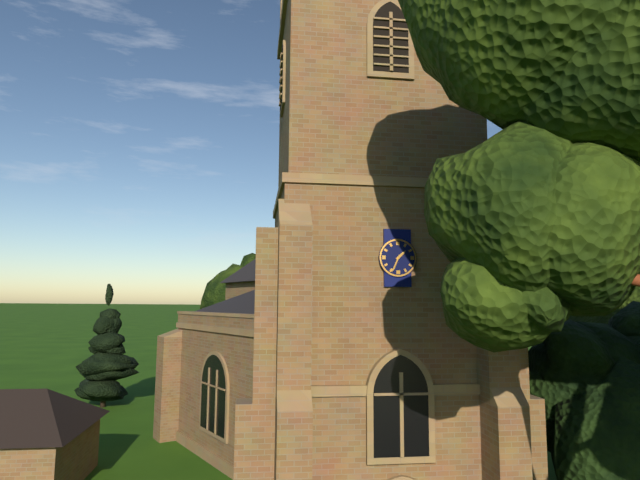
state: 1:34
